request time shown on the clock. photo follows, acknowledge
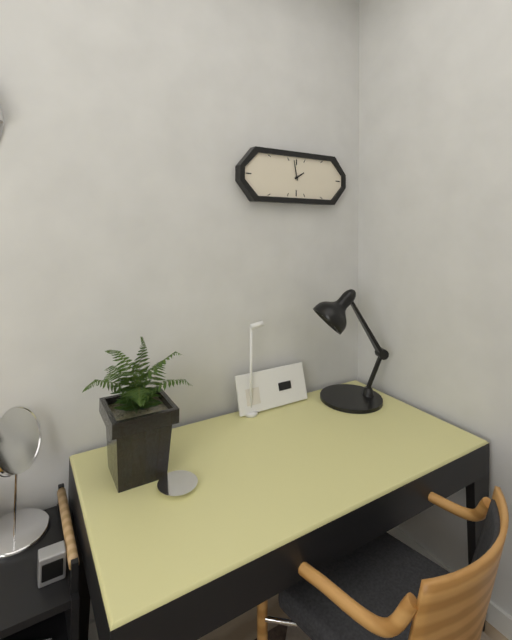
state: 1:58
